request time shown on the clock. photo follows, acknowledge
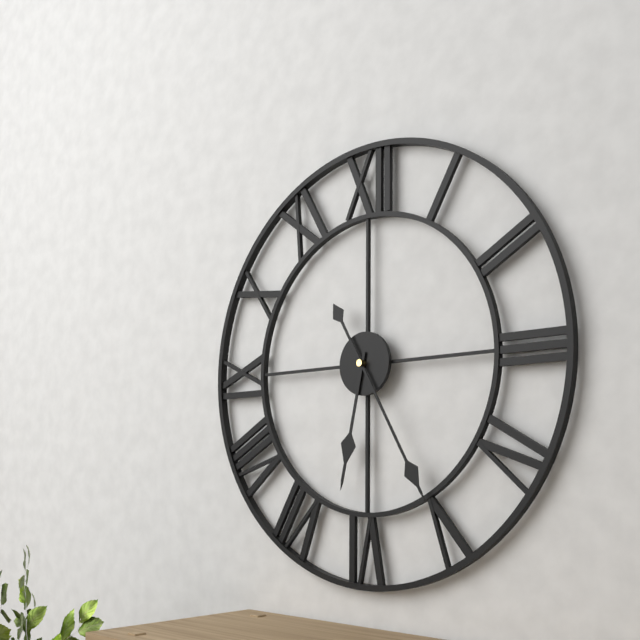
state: 6:25
